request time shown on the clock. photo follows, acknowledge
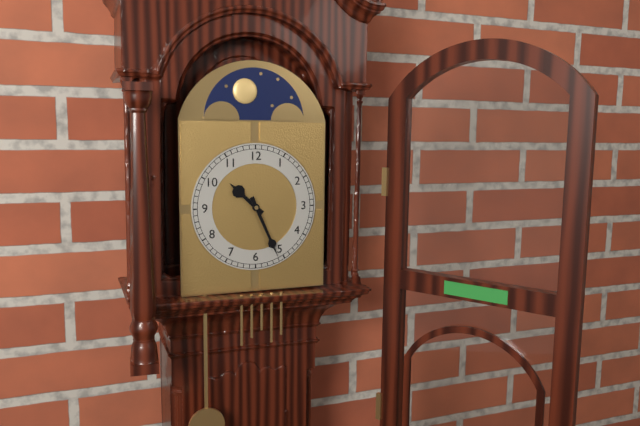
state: 10:26
